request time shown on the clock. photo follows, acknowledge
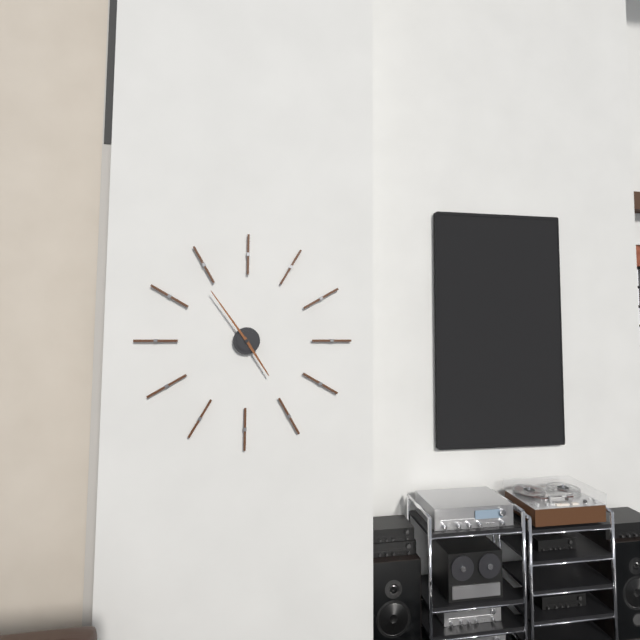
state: 4:54
